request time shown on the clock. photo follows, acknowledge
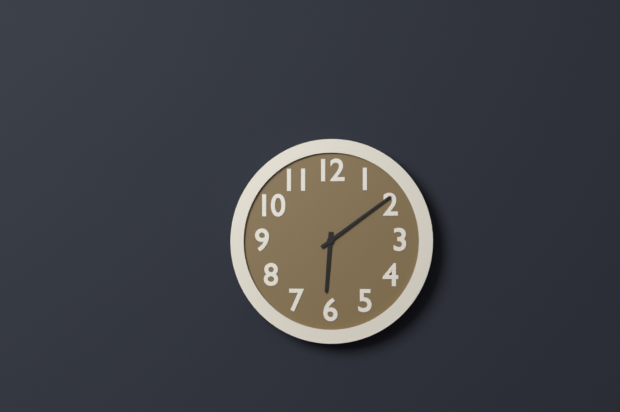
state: 6:09
